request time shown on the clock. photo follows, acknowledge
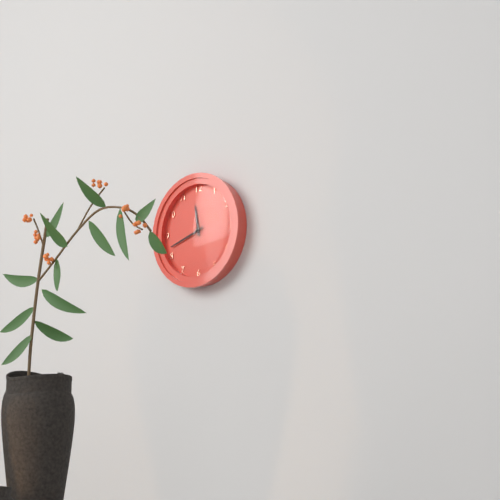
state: 11:42
